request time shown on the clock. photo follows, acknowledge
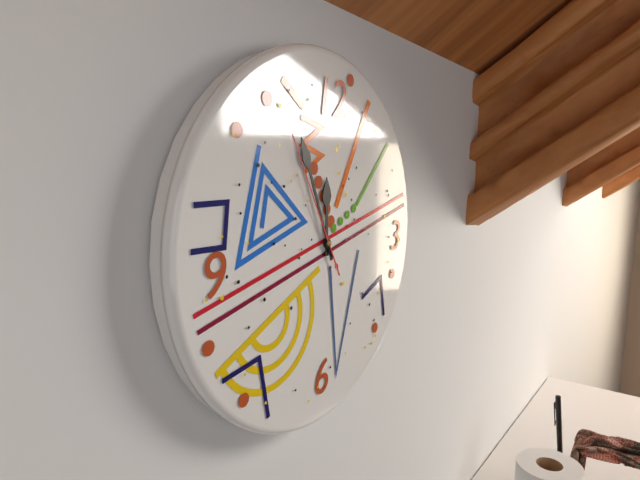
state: 11:56:55
